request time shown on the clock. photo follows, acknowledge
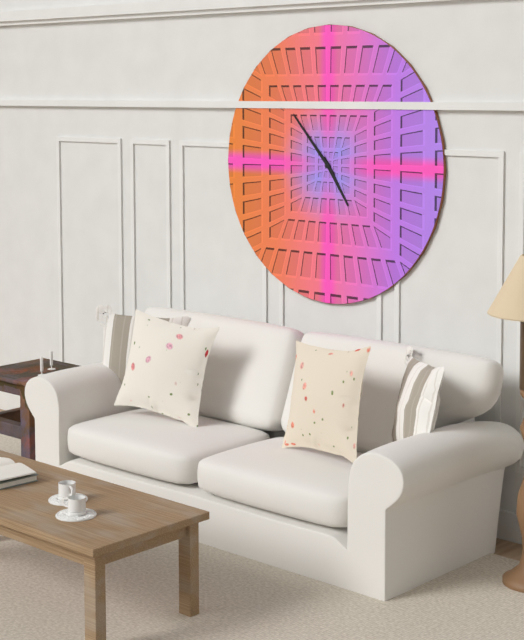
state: 4:53
